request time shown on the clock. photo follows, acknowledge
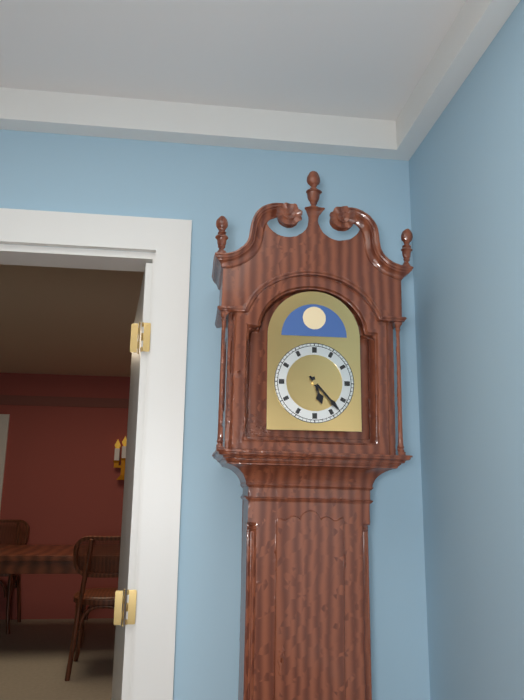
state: 5:23
